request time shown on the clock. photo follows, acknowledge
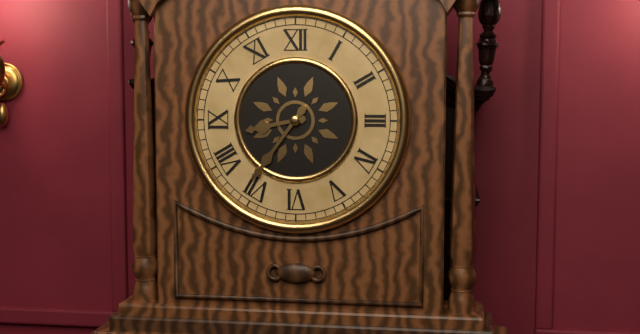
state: 8:36
